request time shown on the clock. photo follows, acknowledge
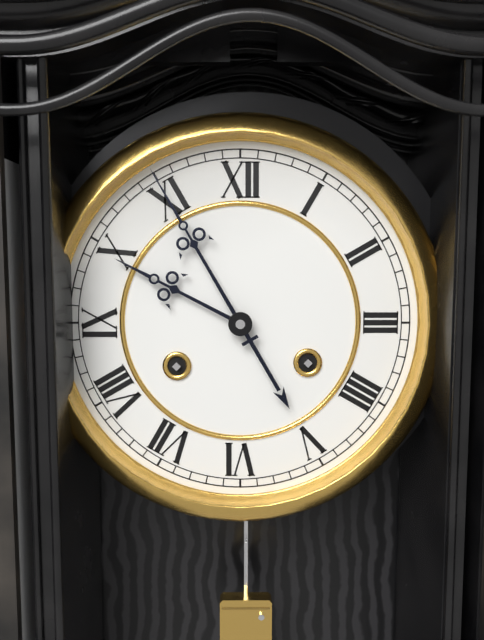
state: 9:55
